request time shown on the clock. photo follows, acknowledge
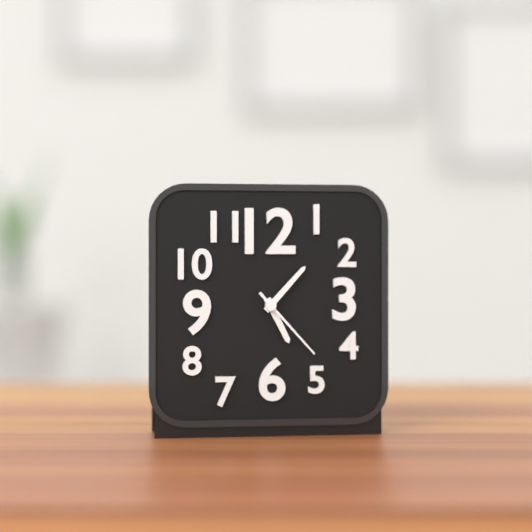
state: 5:07:23
